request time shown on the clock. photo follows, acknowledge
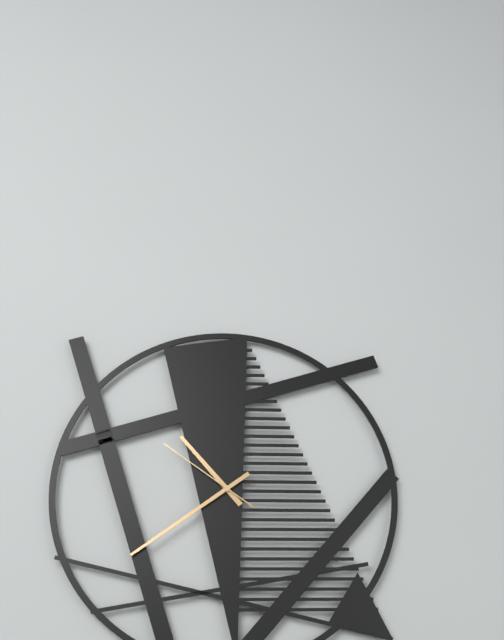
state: 10:39:51
